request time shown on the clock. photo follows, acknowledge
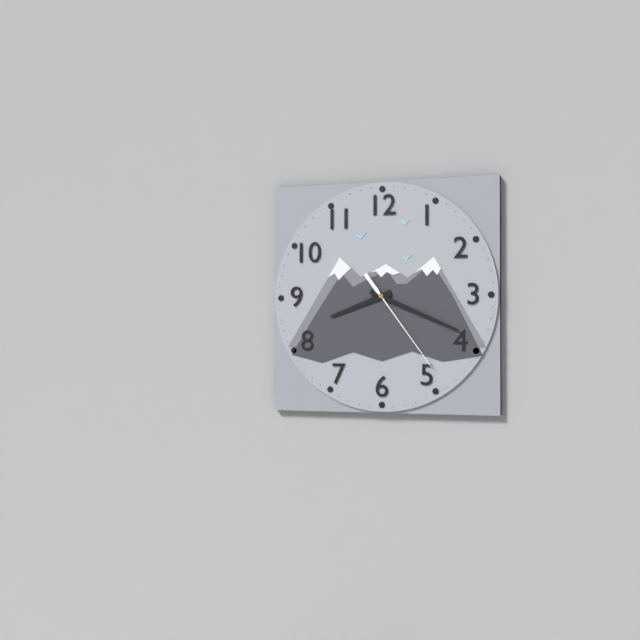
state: 8:19:24
